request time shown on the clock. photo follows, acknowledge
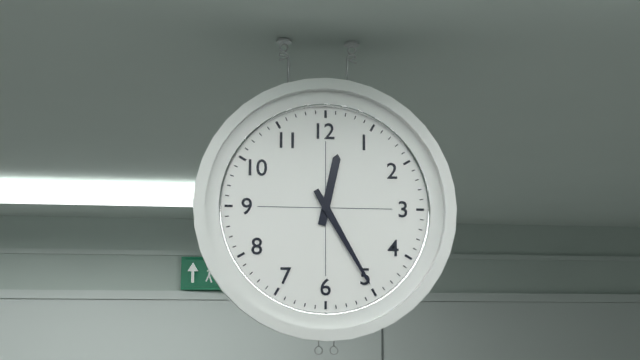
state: 12:25
